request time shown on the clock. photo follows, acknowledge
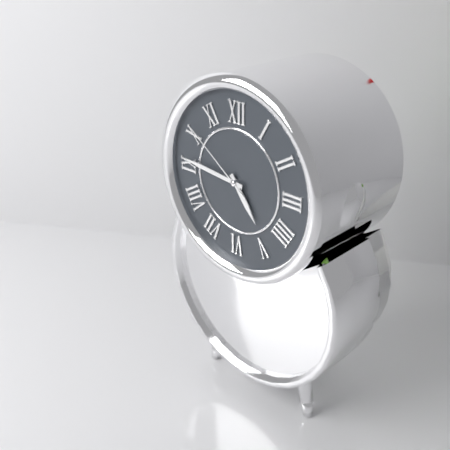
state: 4:46:51
